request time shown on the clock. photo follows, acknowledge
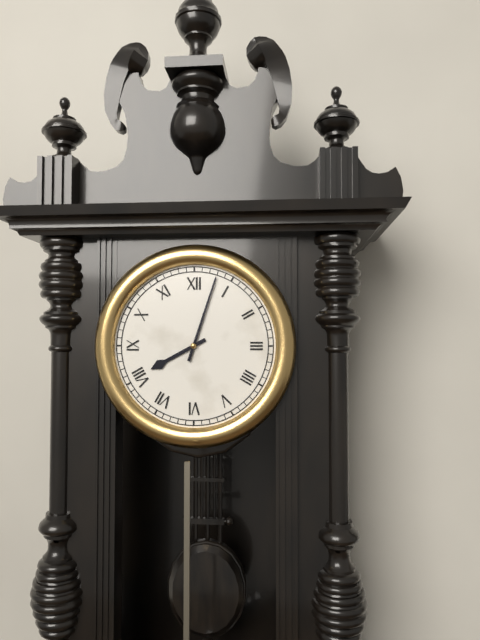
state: 8:03
